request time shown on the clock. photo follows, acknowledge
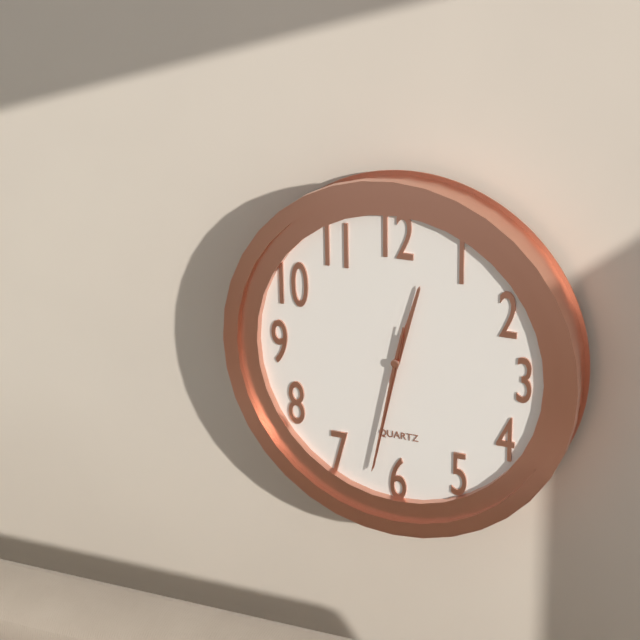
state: 12:32:32
